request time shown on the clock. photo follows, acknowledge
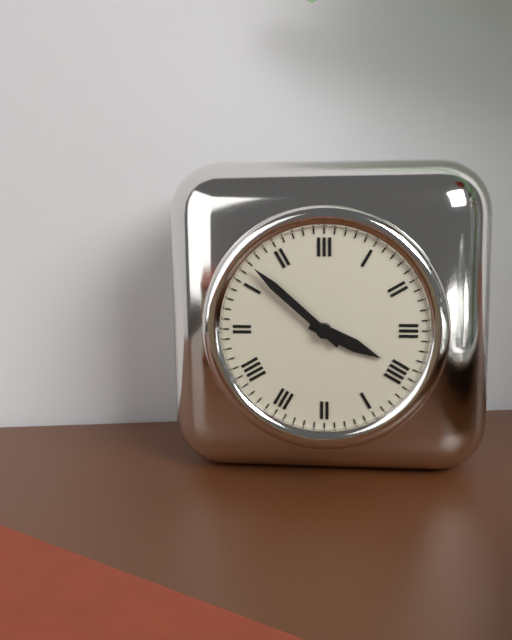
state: 3:52
